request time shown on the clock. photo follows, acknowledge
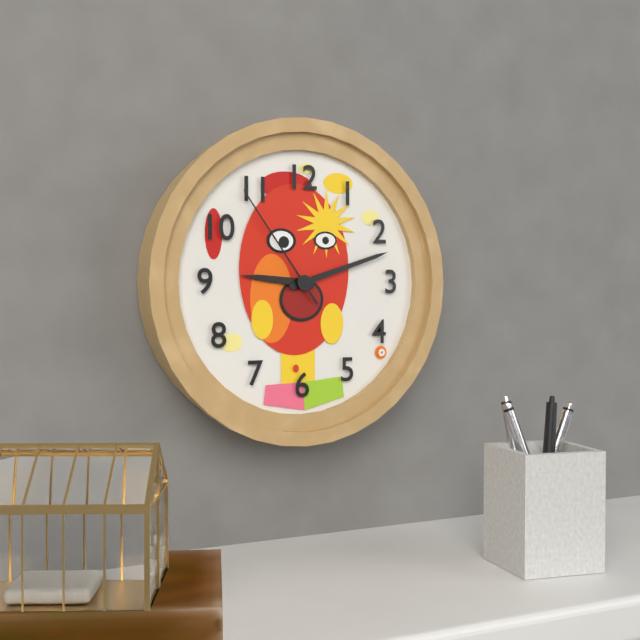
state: 9:12:54
